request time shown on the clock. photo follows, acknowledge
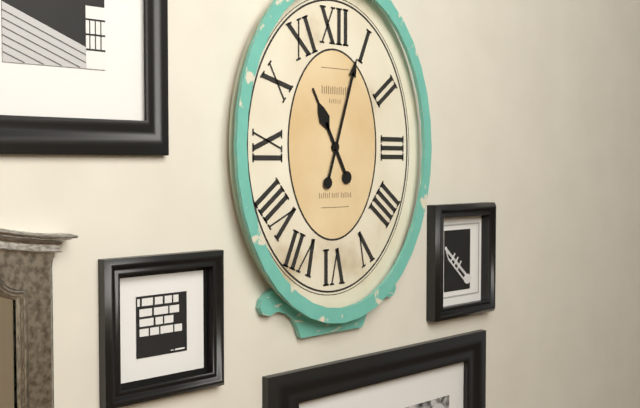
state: 11:03
